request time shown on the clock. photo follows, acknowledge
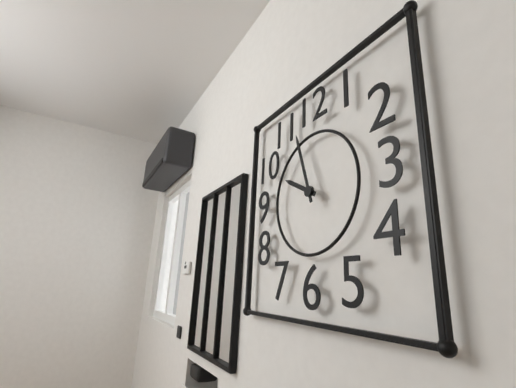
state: 9:57
